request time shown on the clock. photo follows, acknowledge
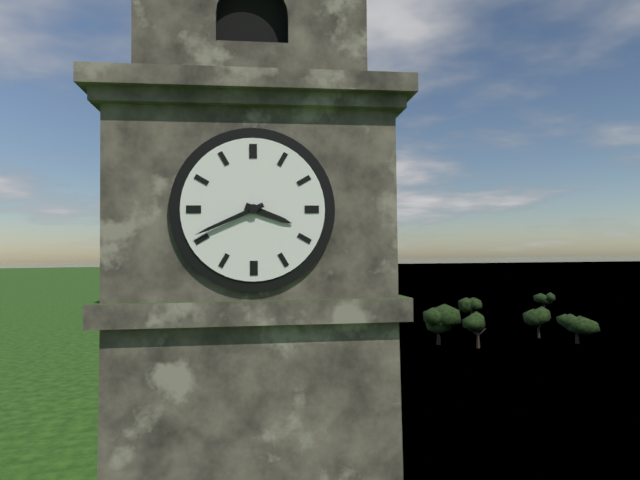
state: 3:41
